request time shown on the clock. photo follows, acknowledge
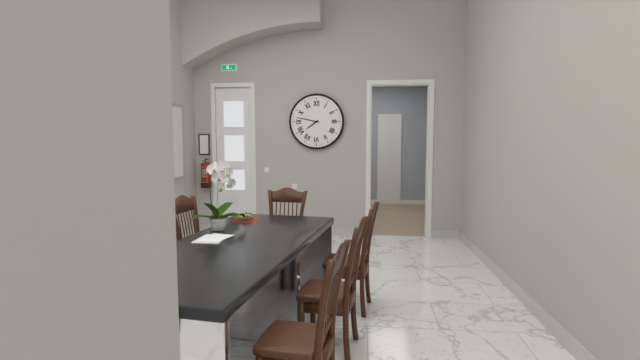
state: 7:47
